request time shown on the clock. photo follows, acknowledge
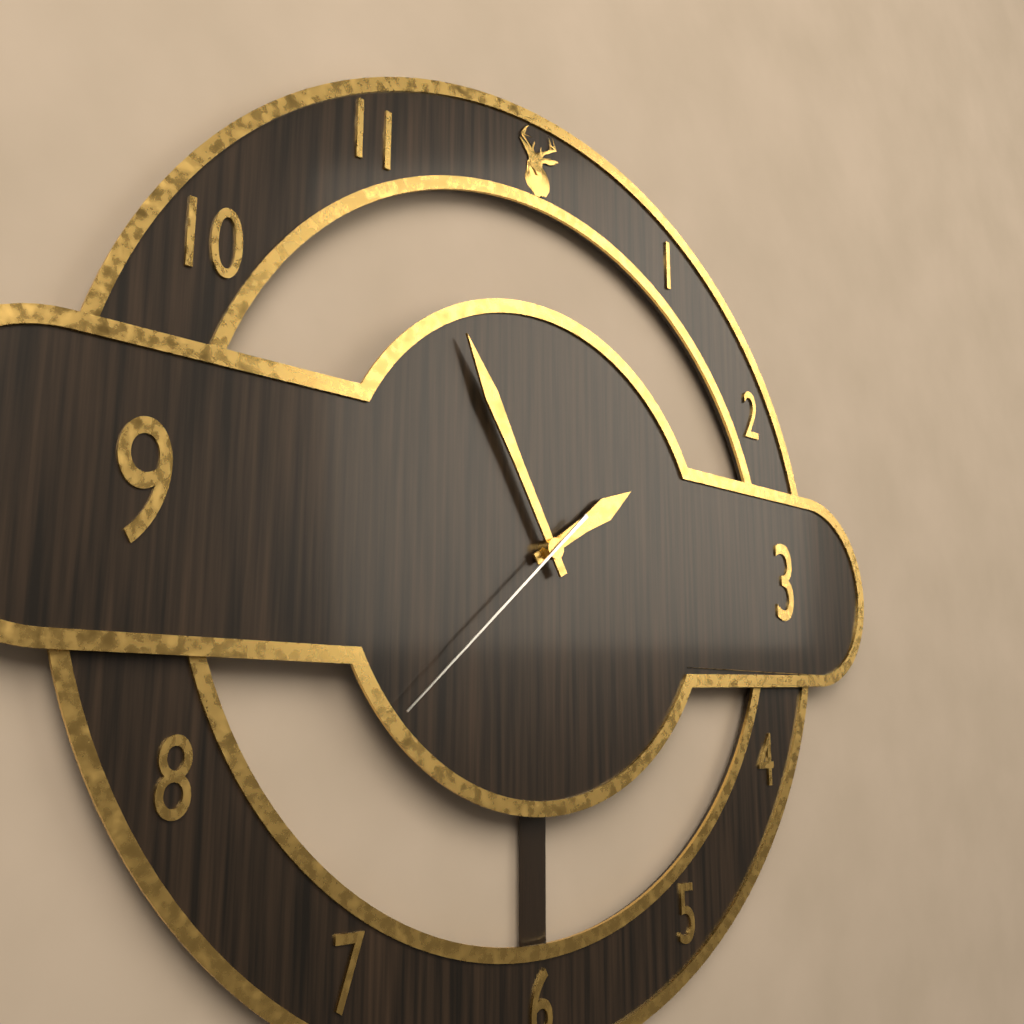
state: 1:55:38
